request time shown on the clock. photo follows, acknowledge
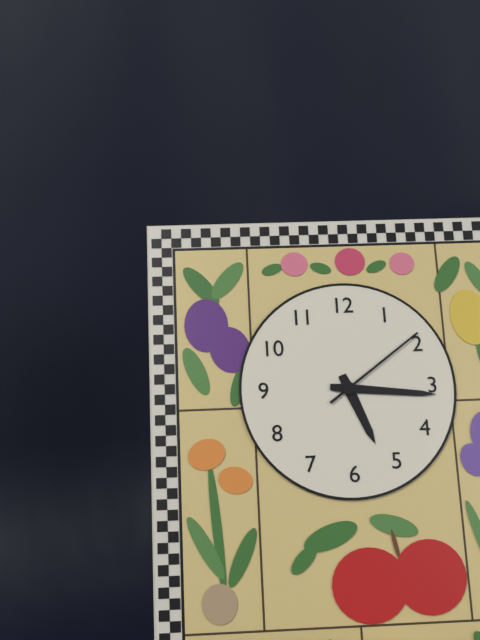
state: 5:16:09
